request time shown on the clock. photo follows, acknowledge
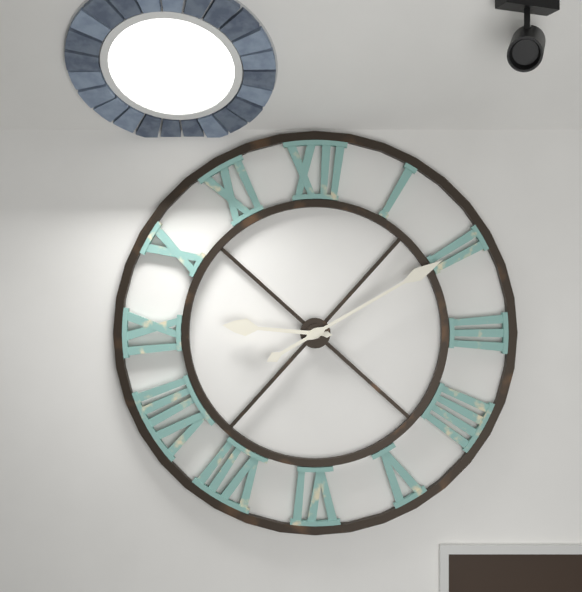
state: 9:10
